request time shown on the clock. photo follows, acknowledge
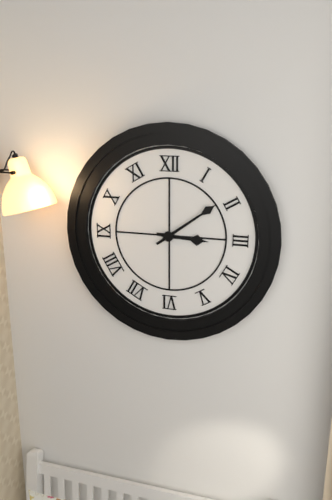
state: 3:09
